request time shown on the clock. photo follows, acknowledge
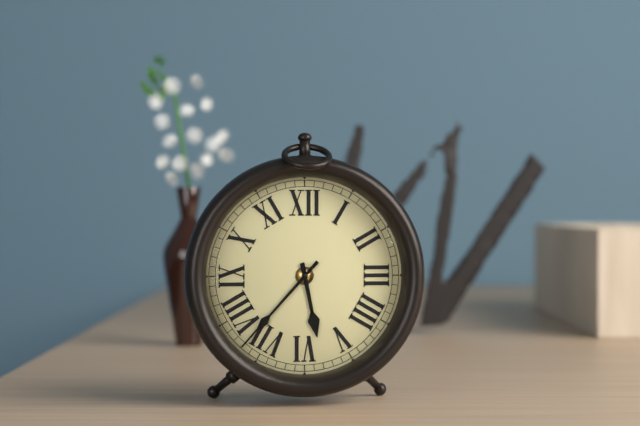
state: 5:37
